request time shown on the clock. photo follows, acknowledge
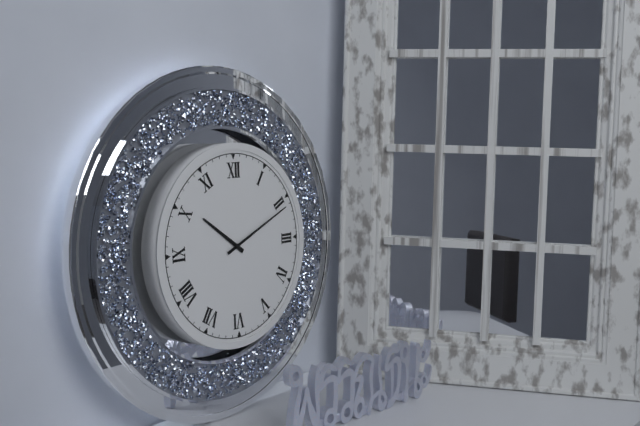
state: 10:11
